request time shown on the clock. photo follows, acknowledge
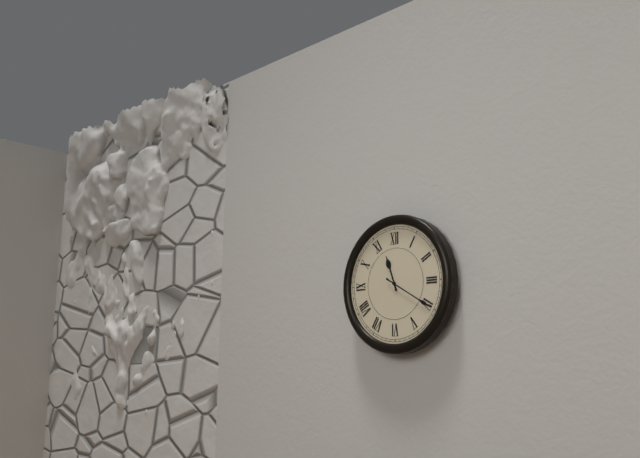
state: 11:20
